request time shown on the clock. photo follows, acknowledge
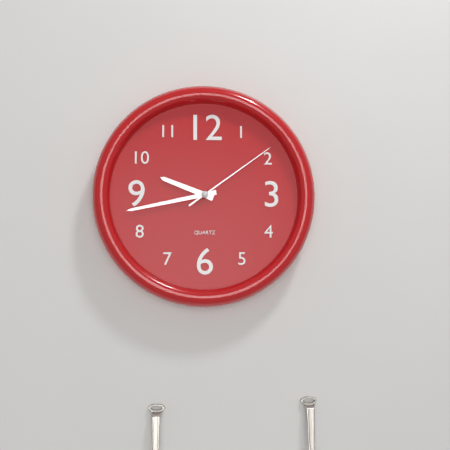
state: 9:43:09
